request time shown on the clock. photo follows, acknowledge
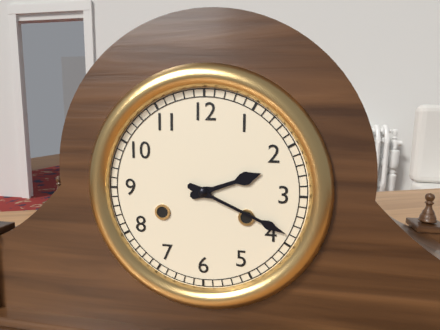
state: 2:19
